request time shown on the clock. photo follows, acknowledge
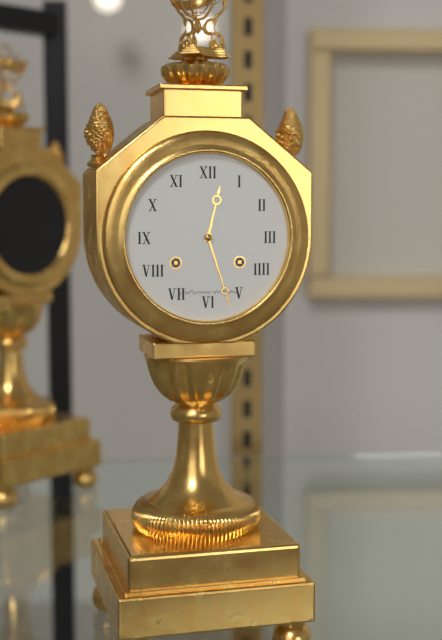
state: 12:27
